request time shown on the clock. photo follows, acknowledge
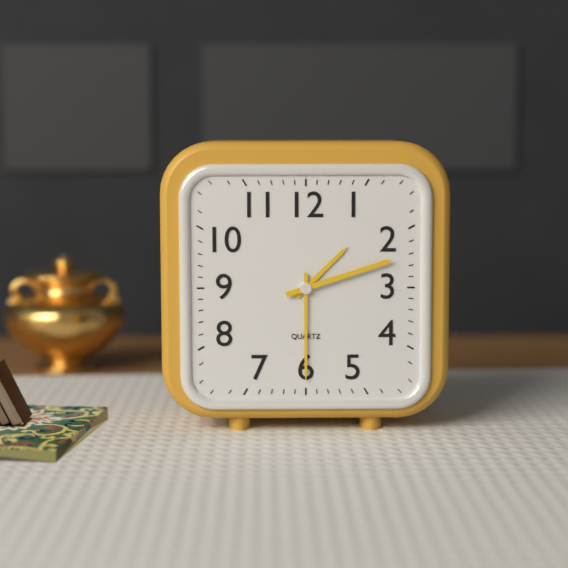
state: 1:30:12
